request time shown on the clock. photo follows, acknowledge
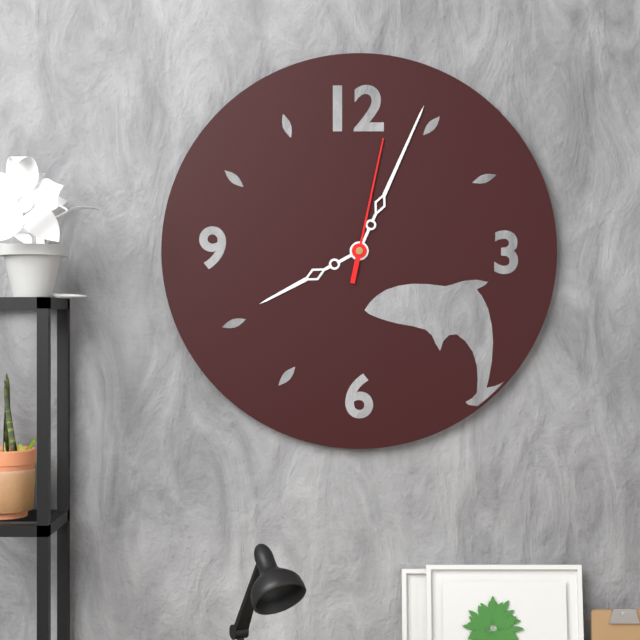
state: 8:04:02
